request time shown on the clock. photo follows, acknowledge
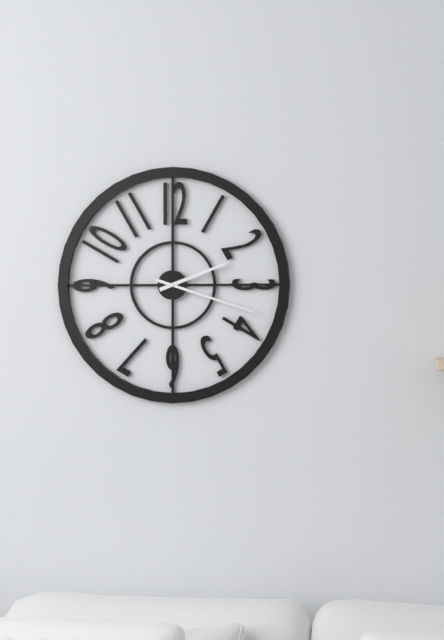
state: 2:18
